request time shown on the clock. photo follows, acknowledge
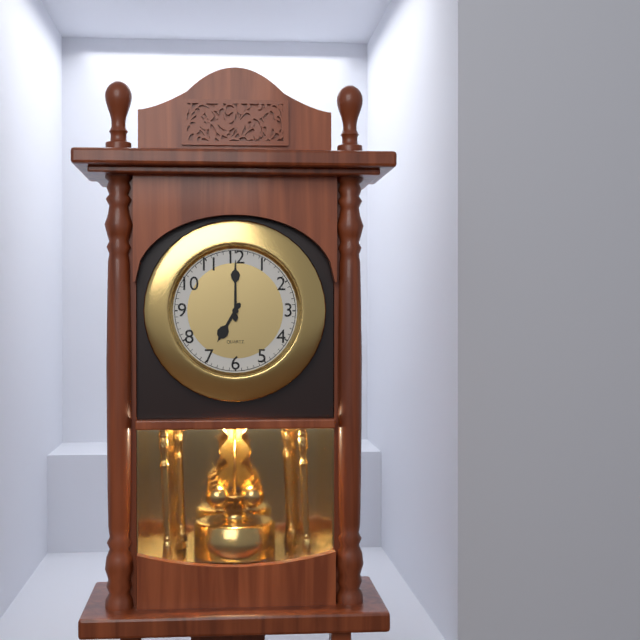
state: 7:00
